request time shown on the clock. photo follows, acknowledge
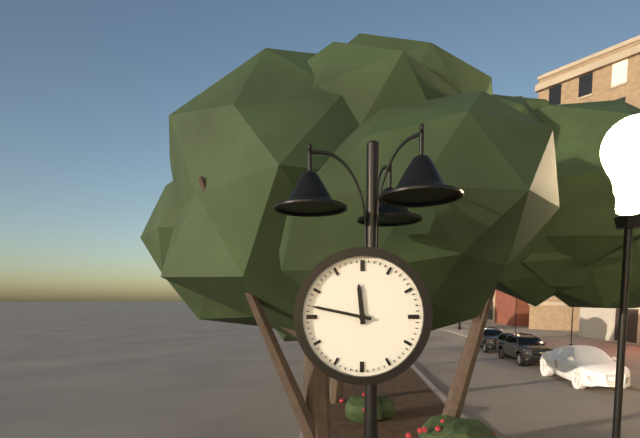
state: 11:47
